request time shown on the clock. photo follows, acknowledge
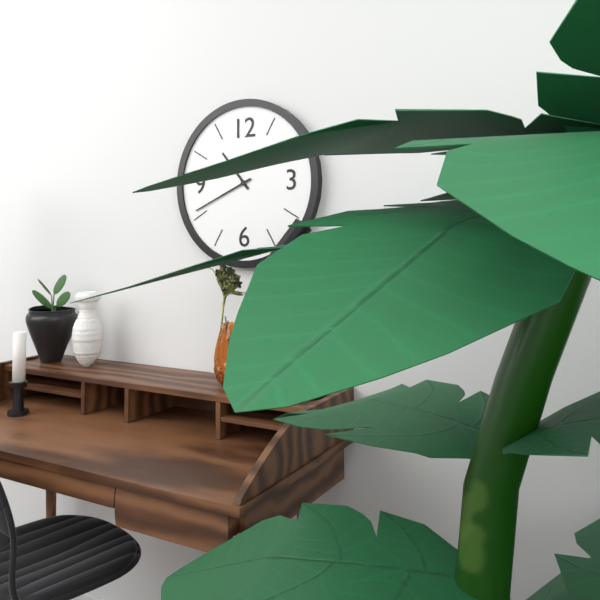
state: 10:41
